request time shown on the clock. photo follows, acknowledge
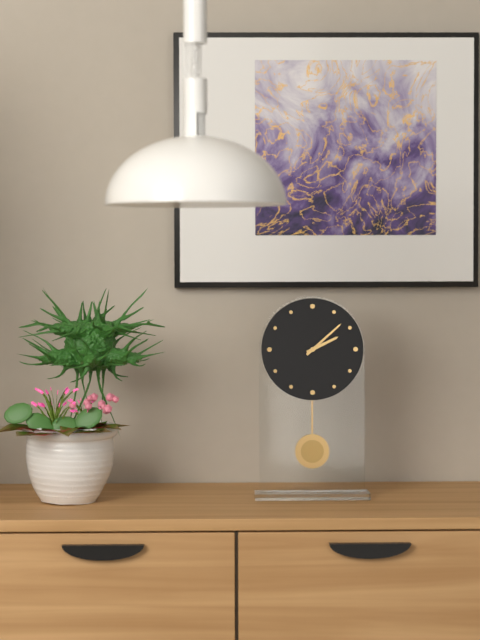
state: 2:08
